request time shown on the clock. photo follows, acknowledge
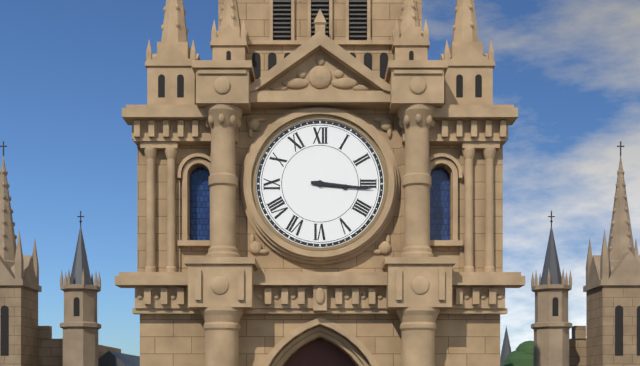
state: 3:16
